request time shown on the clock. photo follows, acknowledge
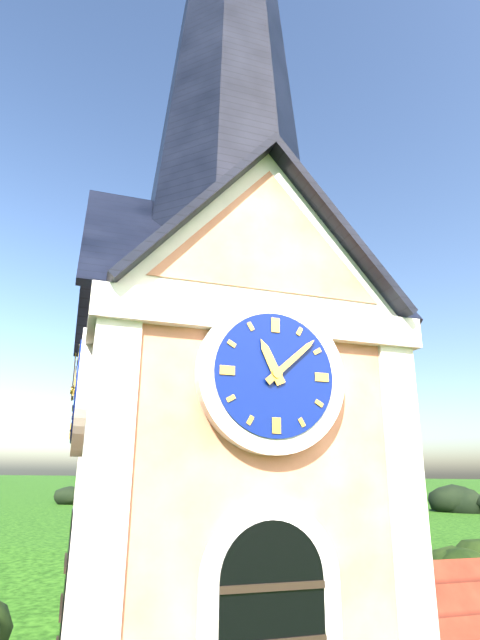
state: 11:08
